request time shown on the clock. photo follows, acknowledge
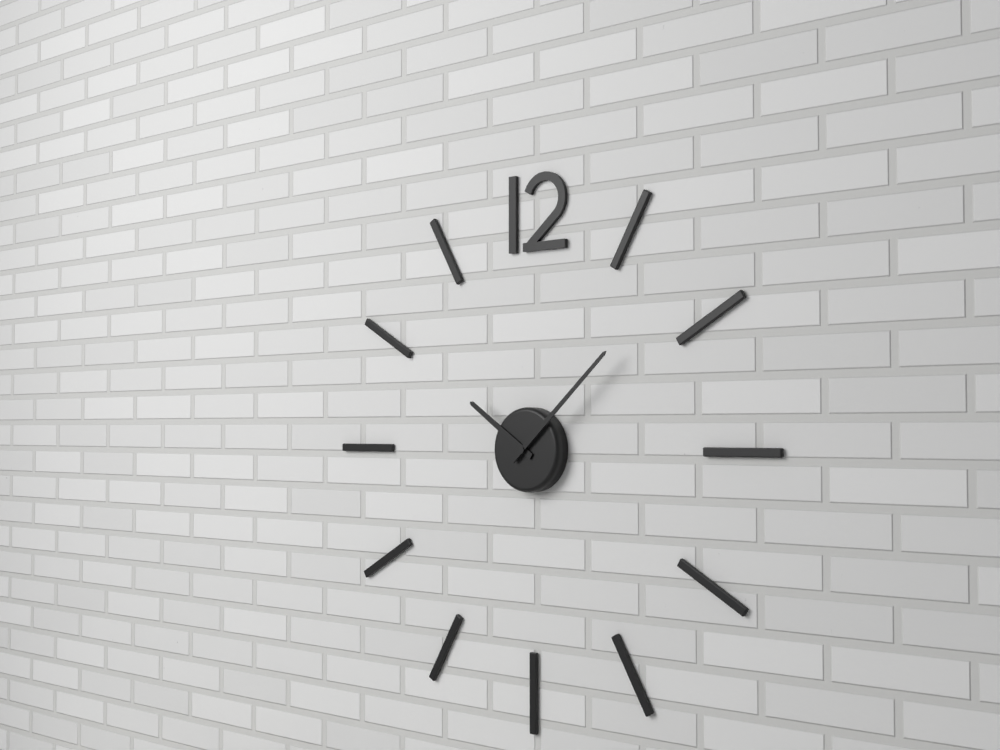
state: 10:08
